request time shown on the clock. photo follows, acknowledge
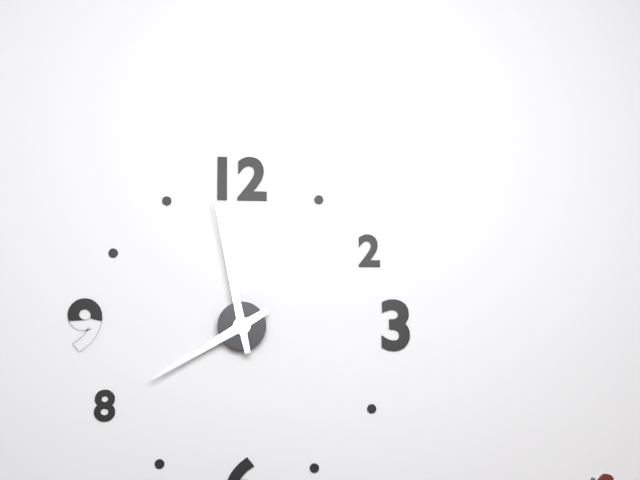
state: 7:58
